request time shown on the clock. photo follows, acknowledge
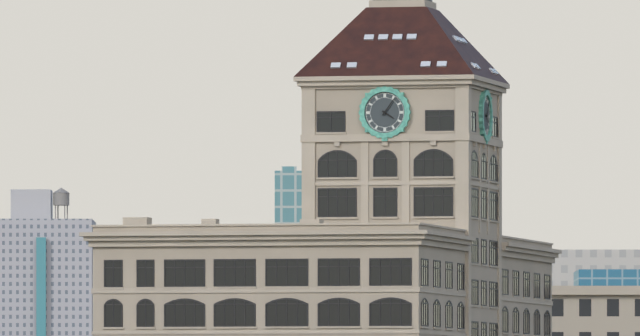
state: 4:06
